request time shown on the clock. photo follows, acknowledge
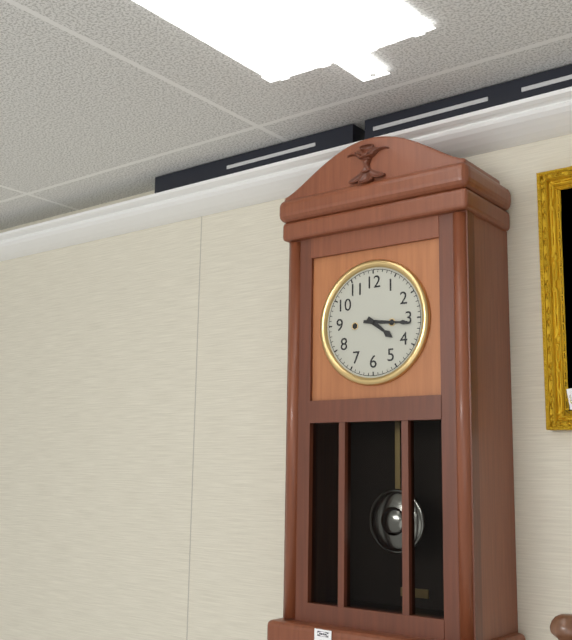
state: 4:16
